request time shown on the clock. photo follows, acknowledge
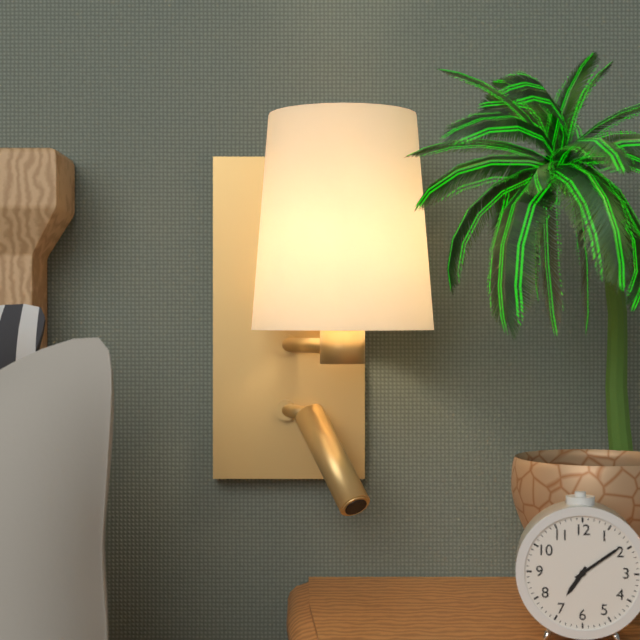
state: 7:09
